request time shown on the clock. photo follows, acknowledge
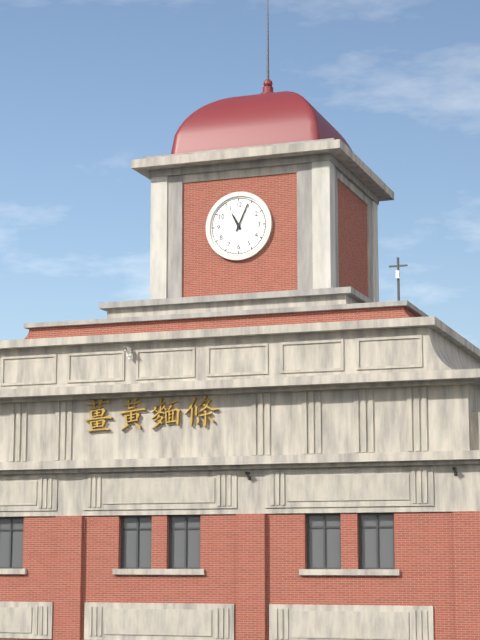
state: 11:04
